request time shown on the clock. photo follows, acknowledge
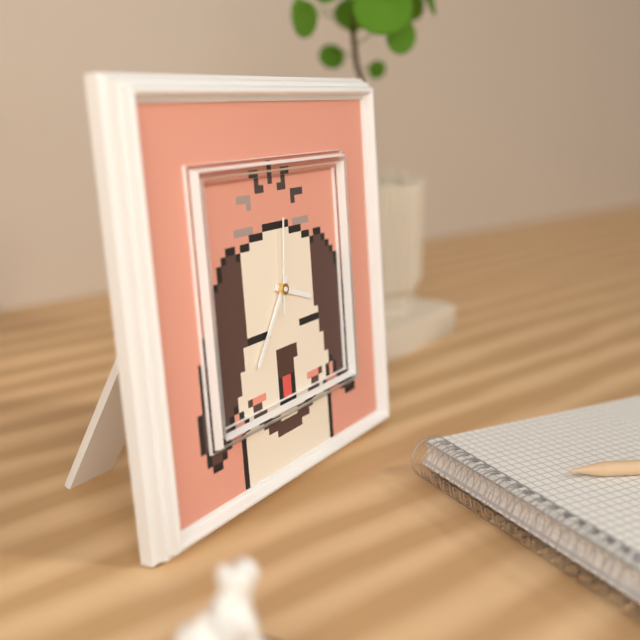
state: 3:36:01
